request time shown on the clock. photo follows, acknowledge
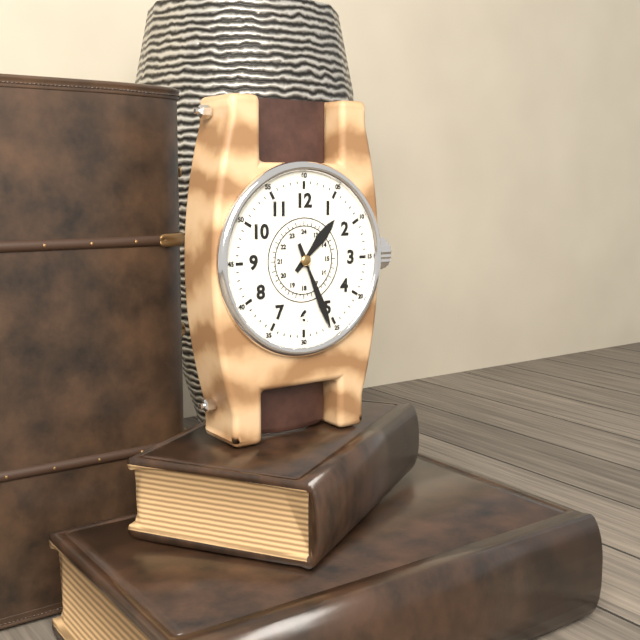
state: 1:26
